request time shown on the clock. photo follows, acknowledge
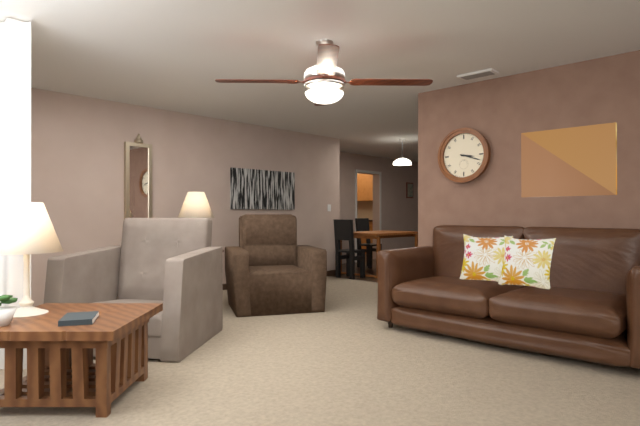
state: 3:18
